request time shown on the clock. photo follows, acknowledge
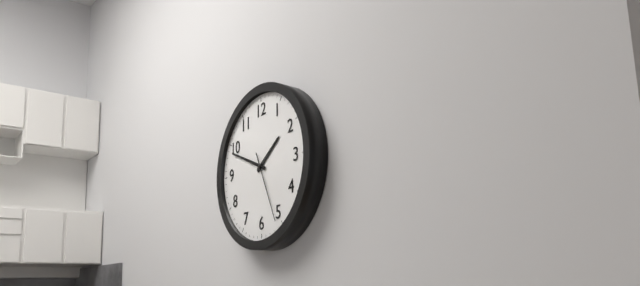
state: 1:49:26
